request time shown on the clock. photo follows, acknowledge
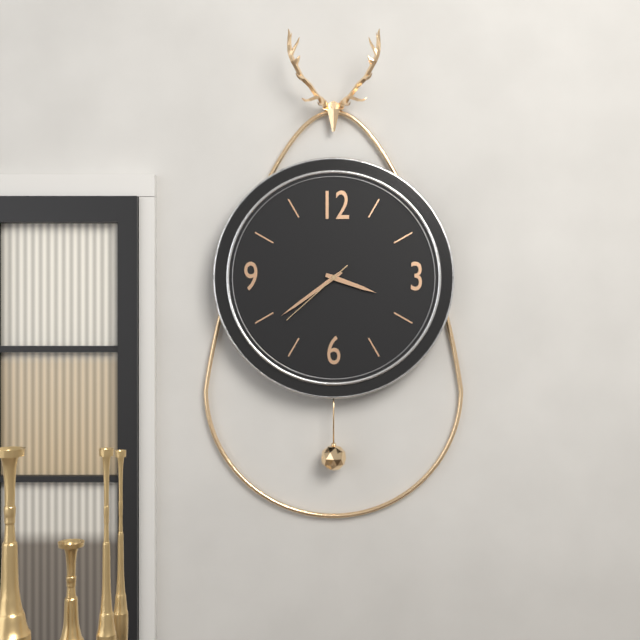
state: 3:39:38
